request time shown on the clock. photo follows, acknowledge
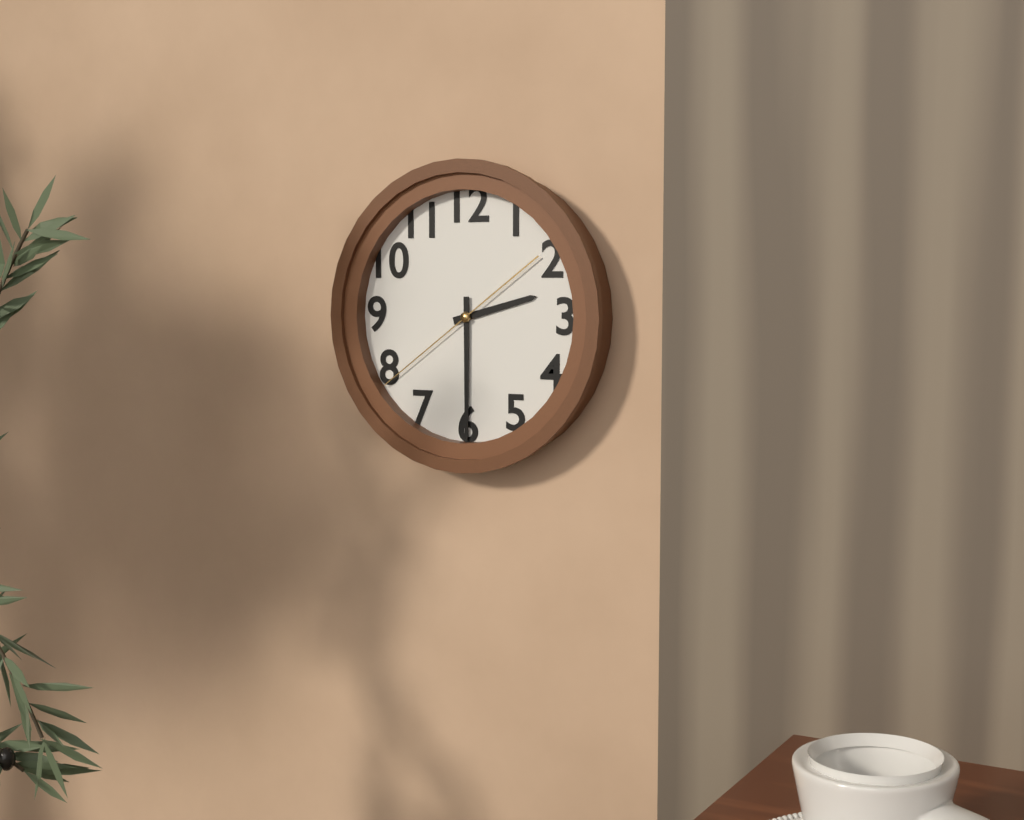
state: 2:30:39
